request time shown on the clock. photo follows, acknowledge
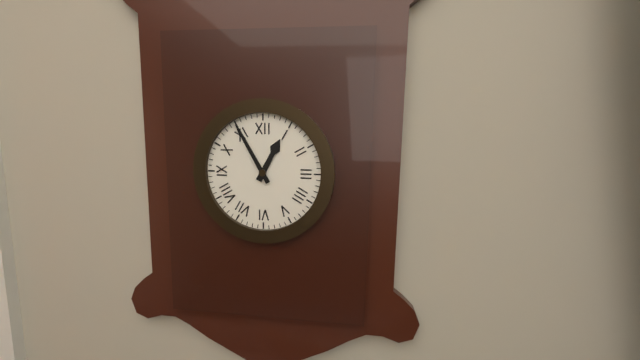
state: 12:55
